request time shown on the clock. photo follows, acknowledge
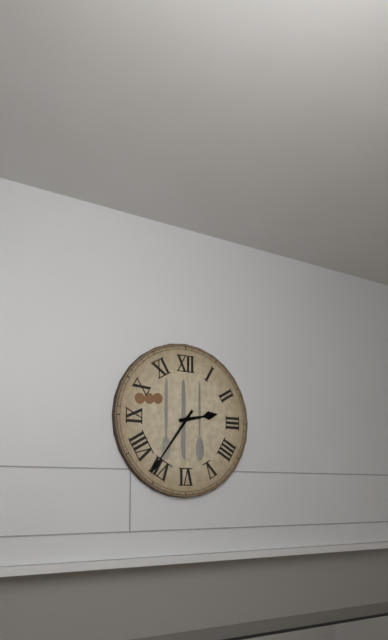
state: 2:36
